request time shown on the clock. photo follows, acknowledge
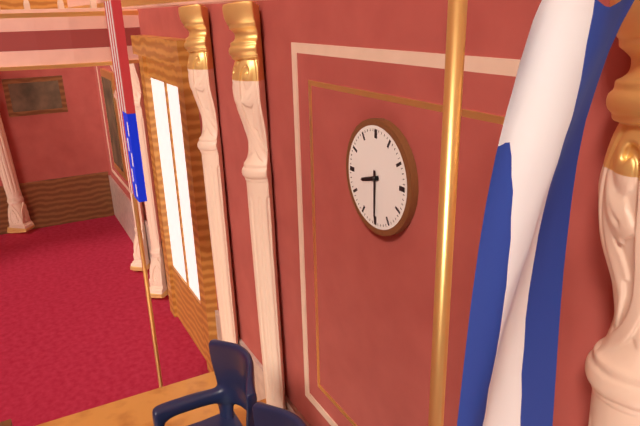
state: 8:30
